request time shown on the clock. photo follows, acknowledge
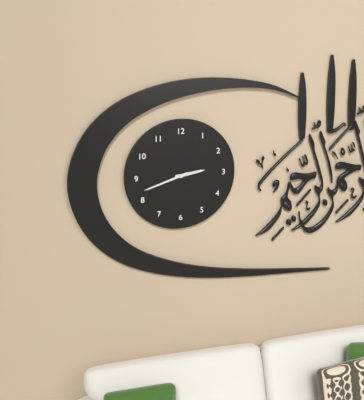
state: 2:42
